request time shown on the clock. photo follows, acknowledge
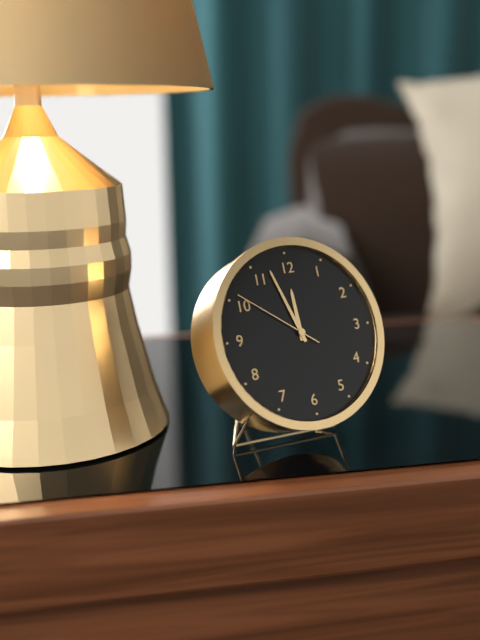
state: 11:57:51
